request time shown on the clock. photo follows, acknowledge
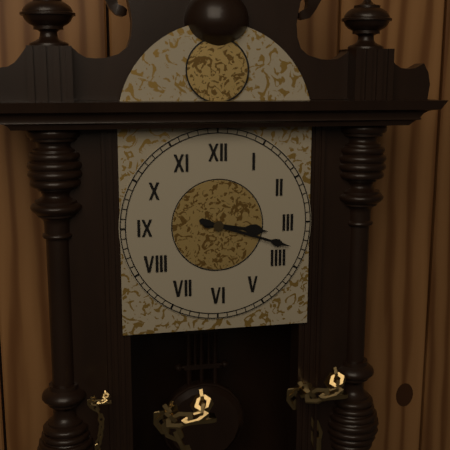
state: 3:18
